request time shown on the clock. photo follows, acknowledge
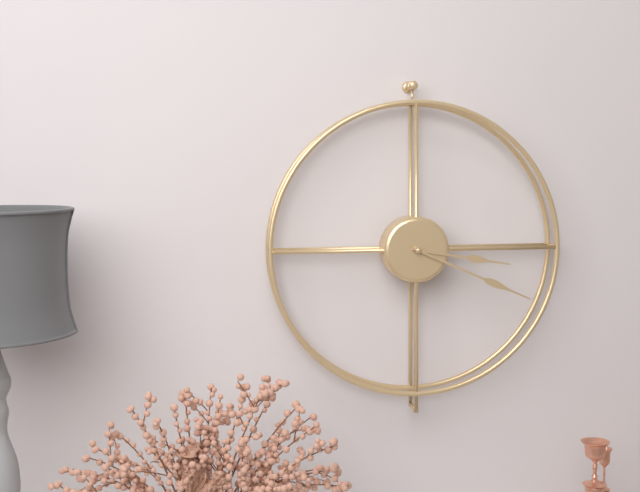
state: 3:19
